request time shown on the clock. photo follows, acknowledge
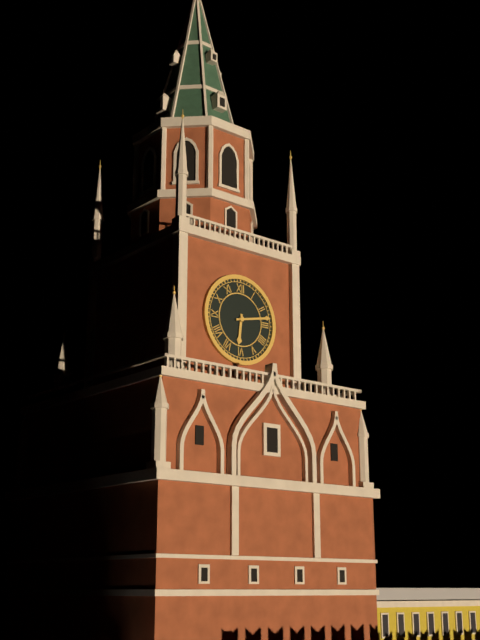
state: 6:13
